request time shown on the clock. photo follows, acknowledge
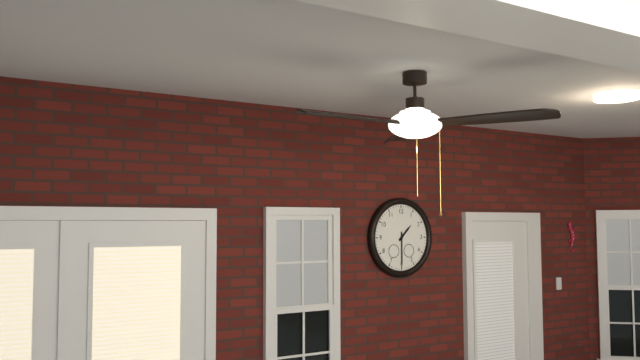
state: 1:30
